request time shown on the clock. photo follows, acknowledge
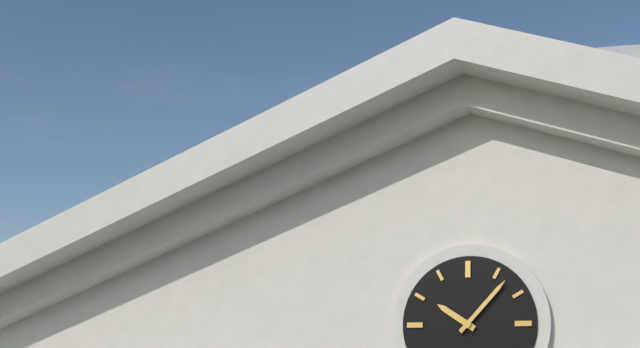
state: 10:07
